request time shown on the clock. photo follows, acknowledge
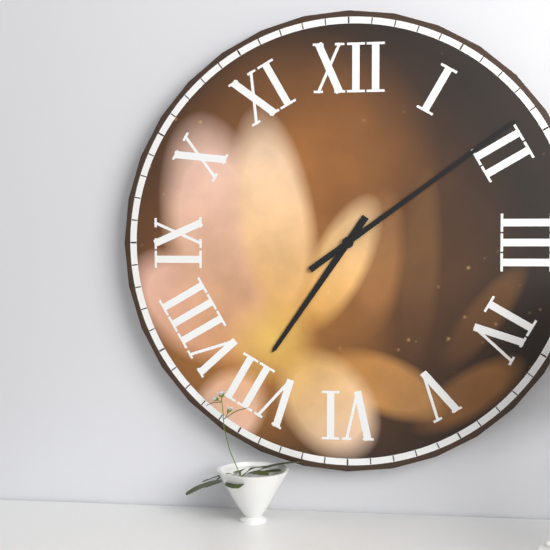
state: 7:09
